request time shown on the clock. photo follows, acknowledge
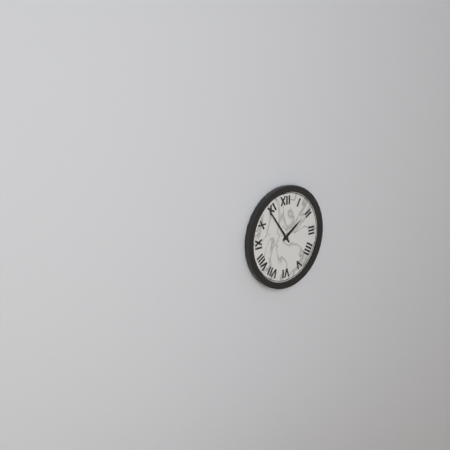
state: 1:54
